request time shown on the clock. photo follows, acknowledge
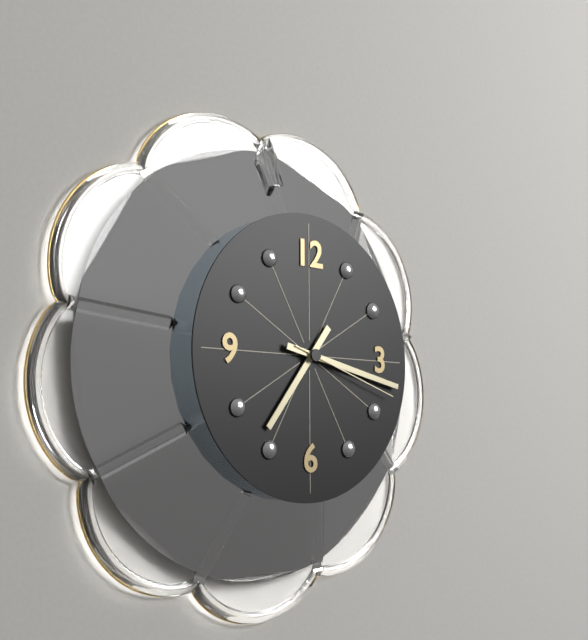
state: 7:17:18
